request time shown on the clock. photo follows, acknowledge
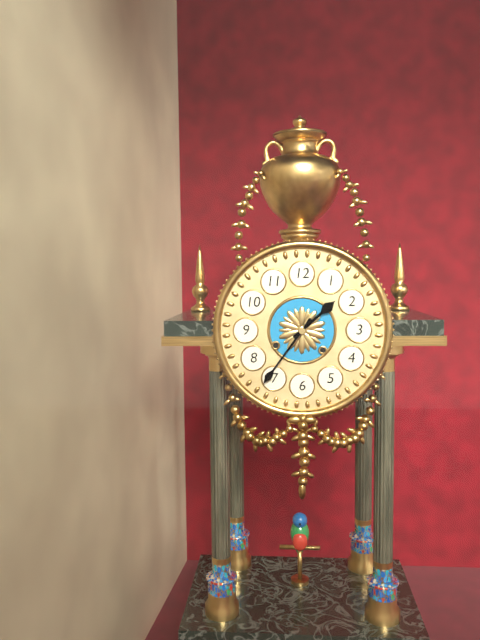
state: 1:36
